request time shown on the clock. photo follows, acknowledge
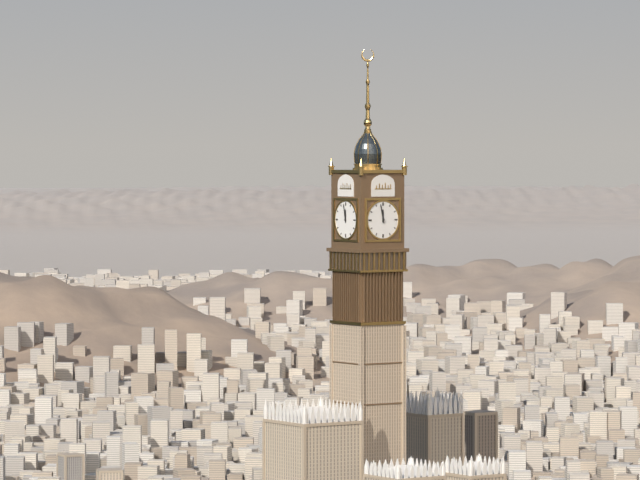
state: 11:58
